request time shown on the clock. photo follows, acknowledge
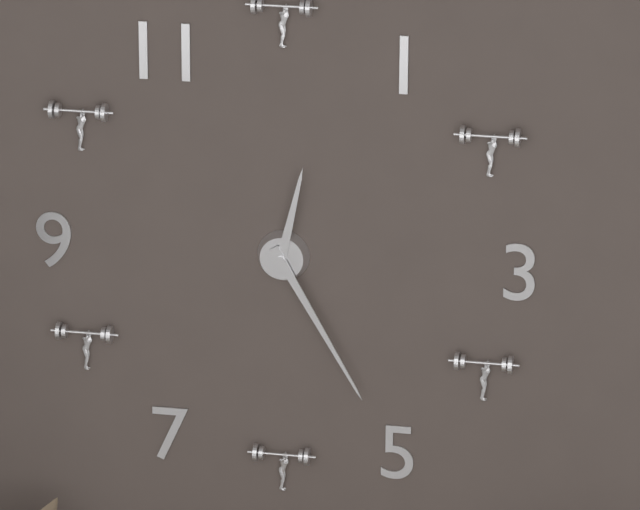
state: 12:25
